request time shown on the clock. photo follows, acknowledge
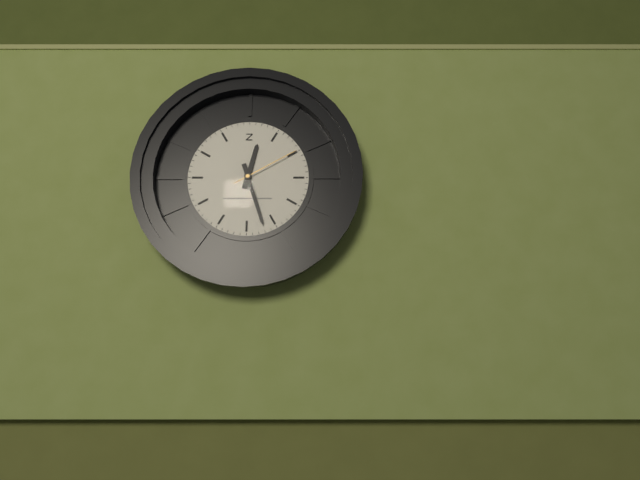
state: 12:27:10
